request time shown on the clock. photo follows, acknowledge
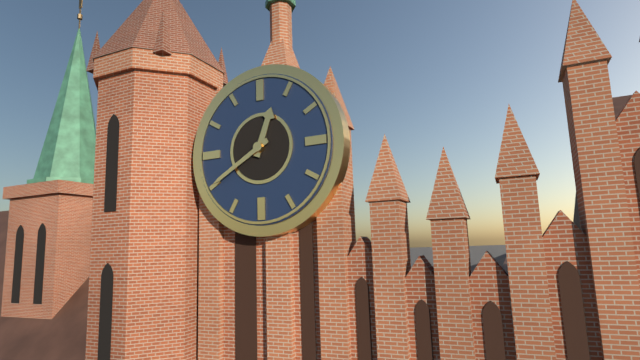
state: 12:40
